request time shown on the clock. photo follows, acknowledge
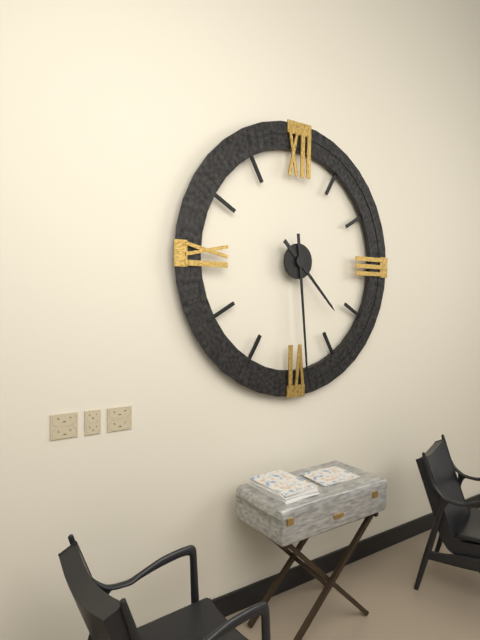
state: 4:29
